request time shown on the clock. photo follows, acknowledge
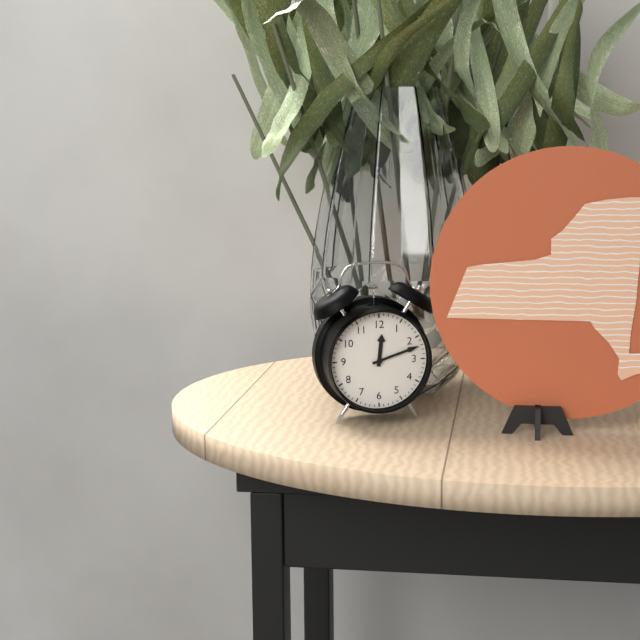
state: 12:12
